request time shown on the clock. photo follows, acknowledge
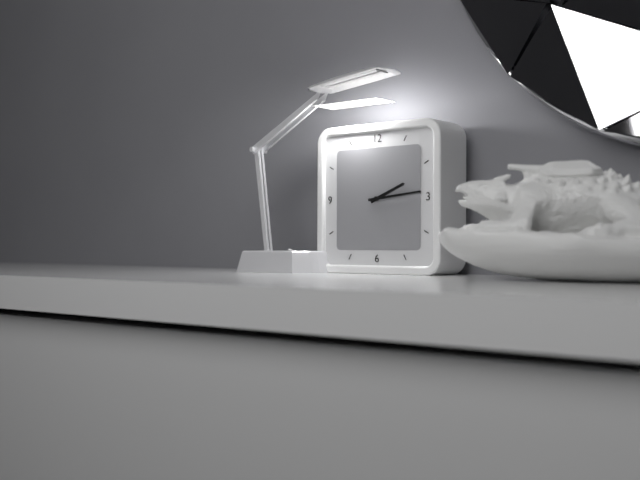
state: 2:14
